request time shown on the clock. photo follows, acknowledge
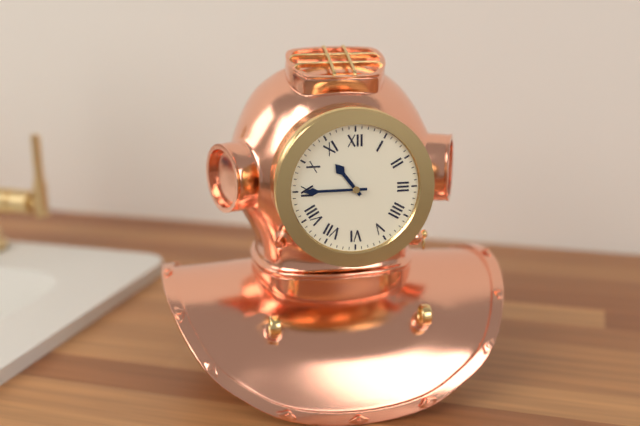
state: 10:45
